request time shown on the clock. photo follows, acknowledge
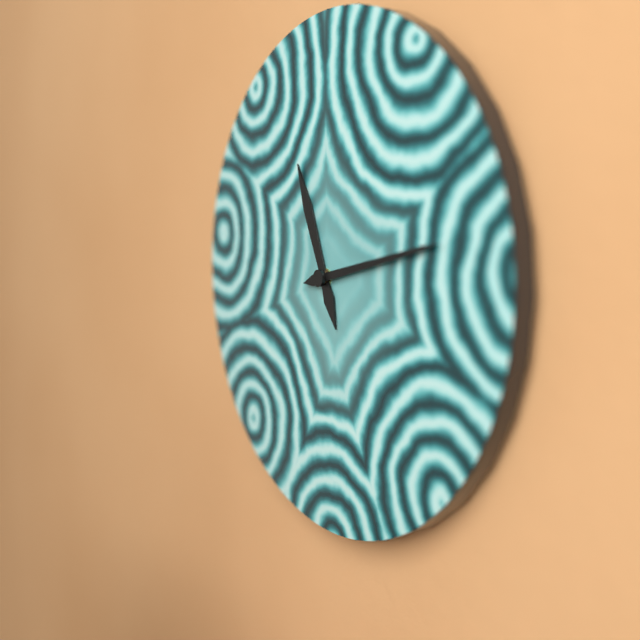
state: 11:13
